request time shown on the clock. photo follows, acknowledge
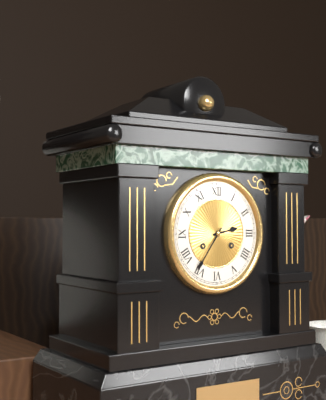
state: 2:36
